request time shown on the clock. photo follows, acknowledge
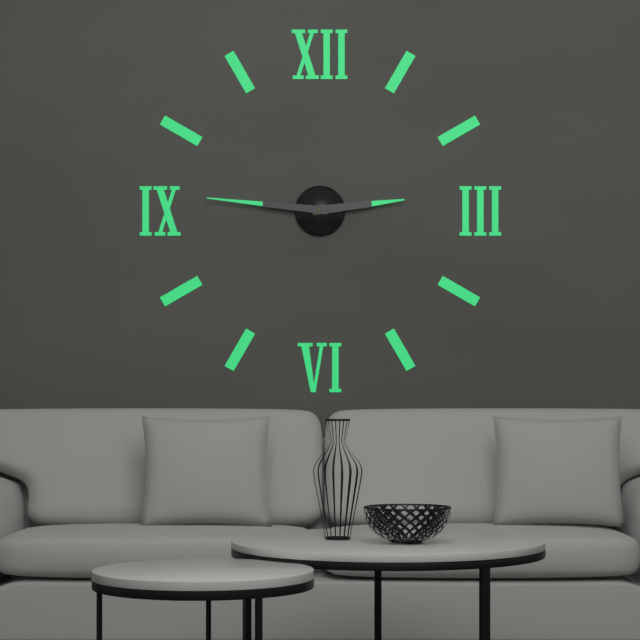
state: 2:46
